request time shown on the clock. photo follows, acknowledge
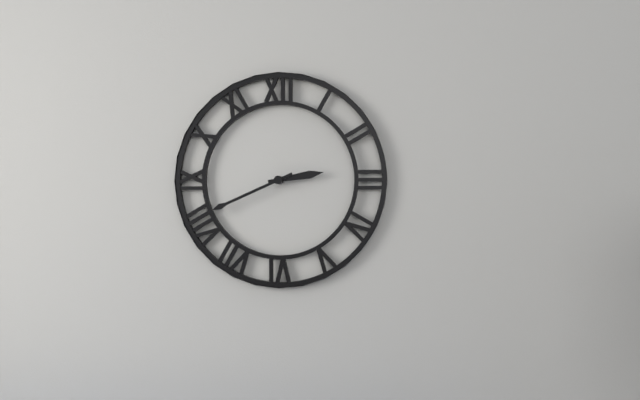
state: 2:41
